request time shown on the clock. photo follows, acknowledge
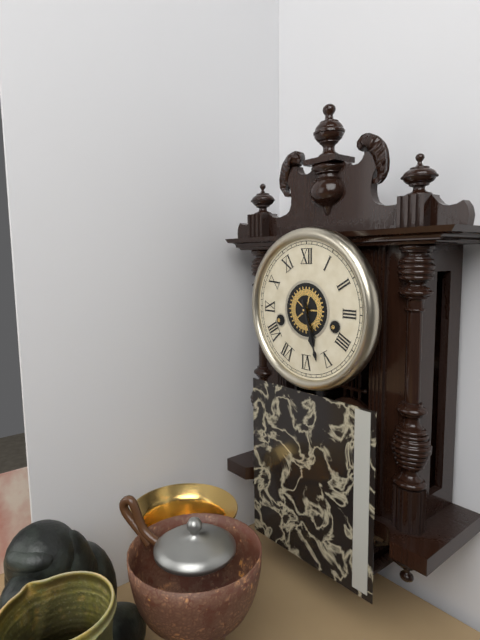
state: 5:27
